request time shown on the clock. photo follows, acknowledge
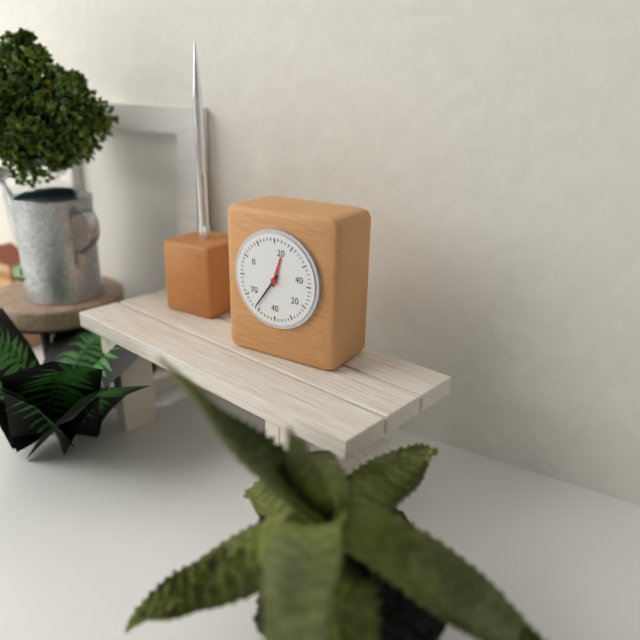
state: 12:36
